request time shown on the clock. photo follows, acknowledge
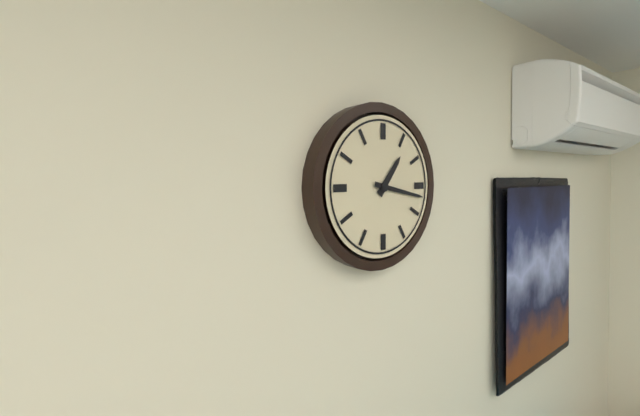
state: 1:17
